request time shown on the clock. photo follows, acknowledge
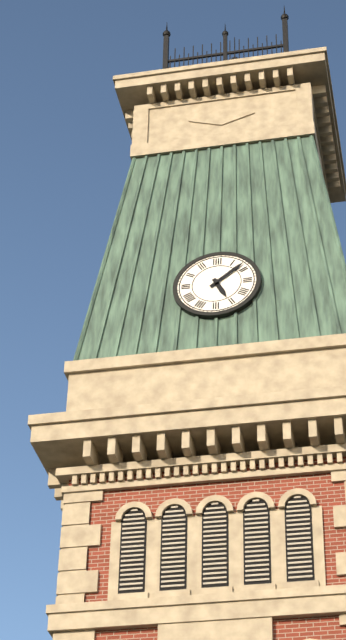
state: 5:08
